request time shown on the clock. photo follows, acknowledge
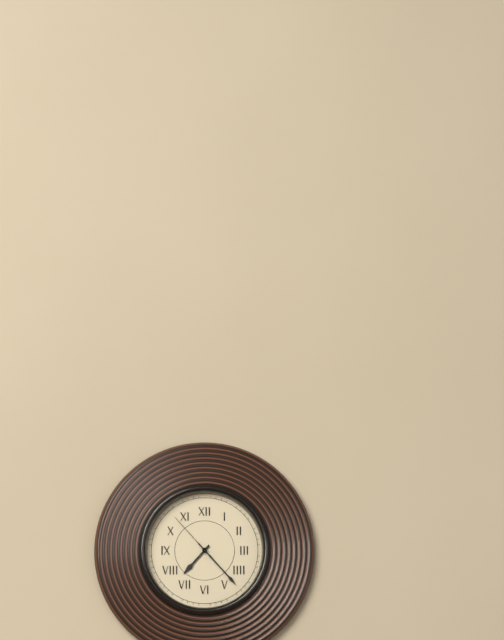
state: 7:23:53
